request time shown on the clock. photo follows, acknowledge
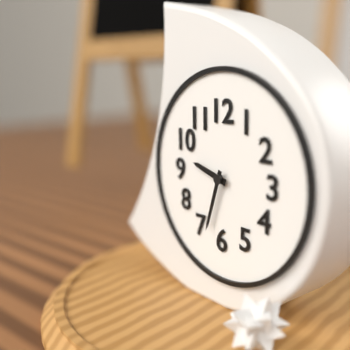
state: 9:33
